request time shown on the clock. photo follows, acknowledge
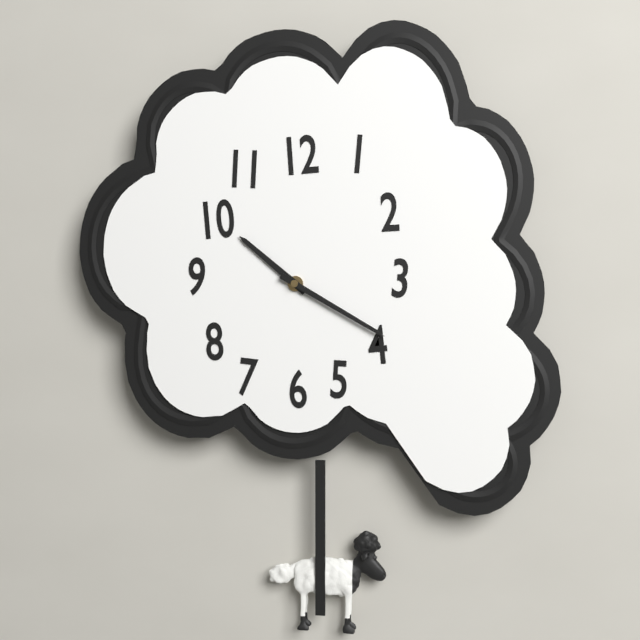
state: 10:20
